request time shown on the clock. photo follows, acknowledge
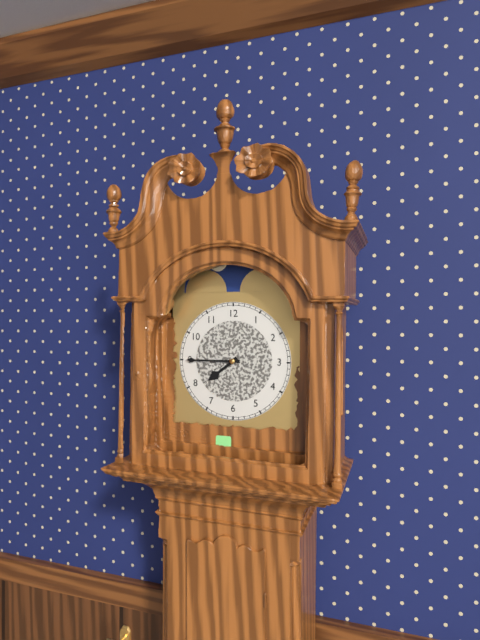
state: 7:45
